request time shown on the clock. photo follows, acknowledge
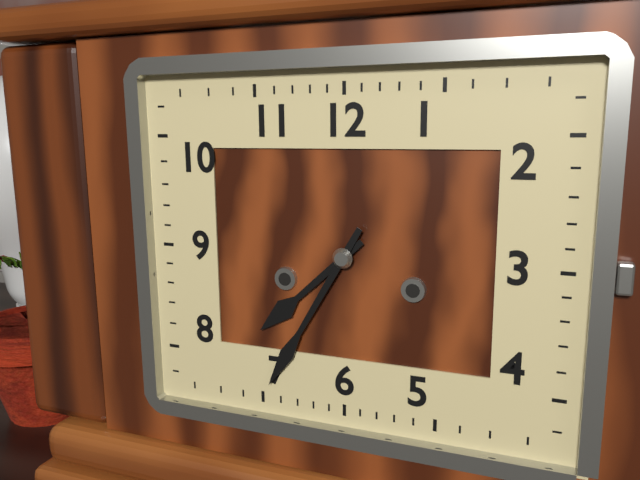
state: 7:35
